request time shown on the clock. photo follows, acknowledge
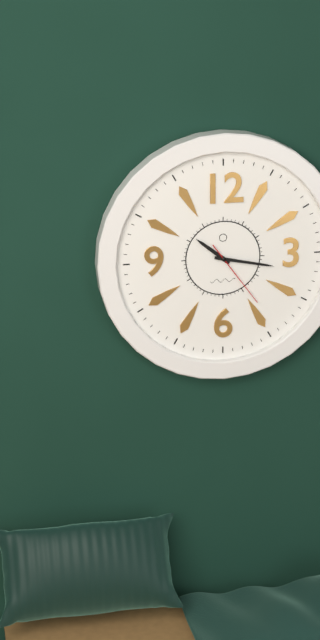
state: 10:17:24
